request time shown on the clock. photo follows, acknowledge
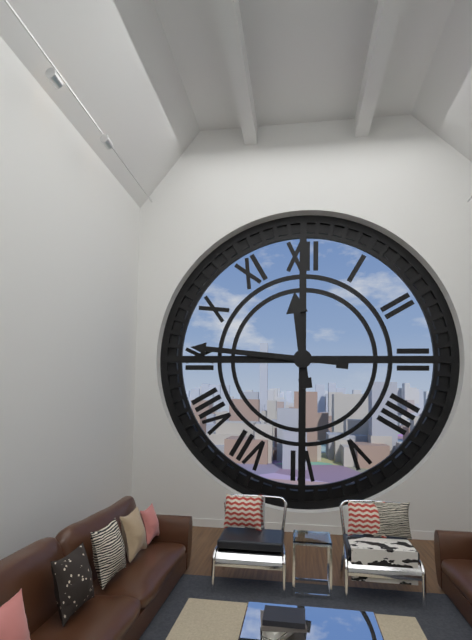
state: 11:46
